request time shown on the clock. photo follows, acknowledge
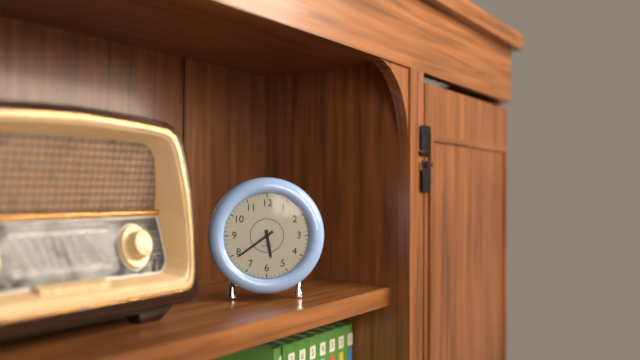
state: 5:39
